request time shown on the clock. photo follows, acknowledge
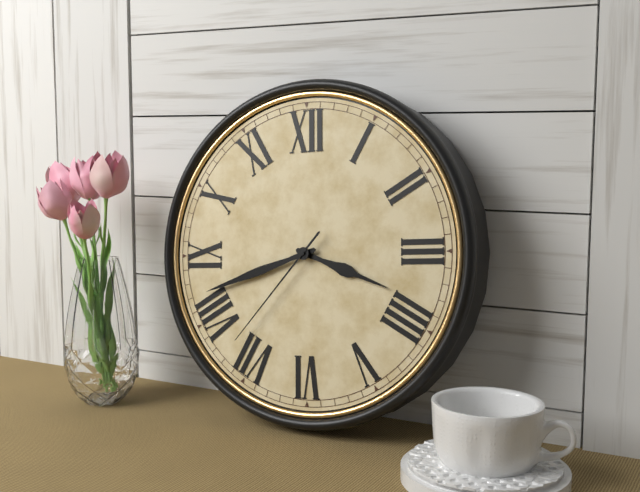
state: 3:42:37
